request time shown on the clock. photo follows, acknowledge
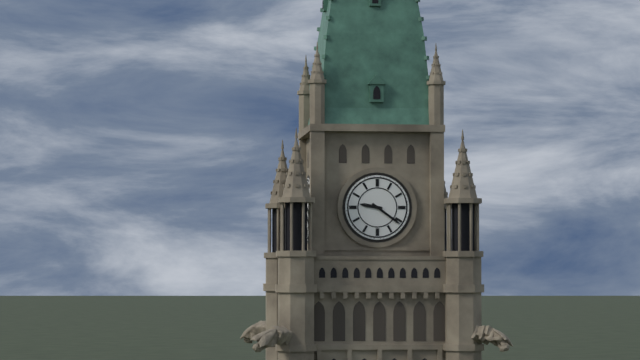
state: 9:21
